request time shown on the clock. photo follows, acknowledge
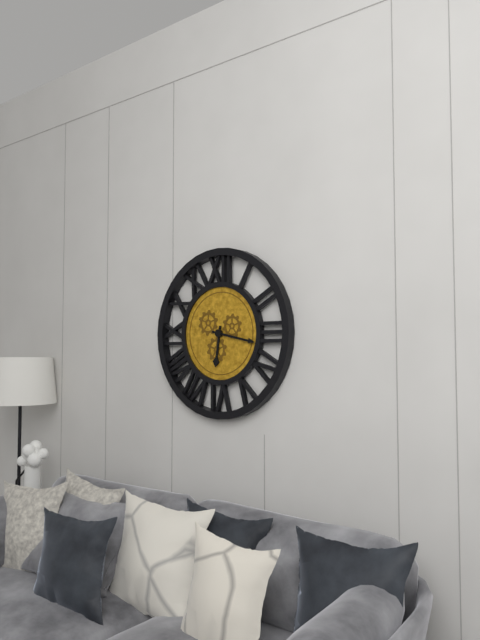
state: 6:17
